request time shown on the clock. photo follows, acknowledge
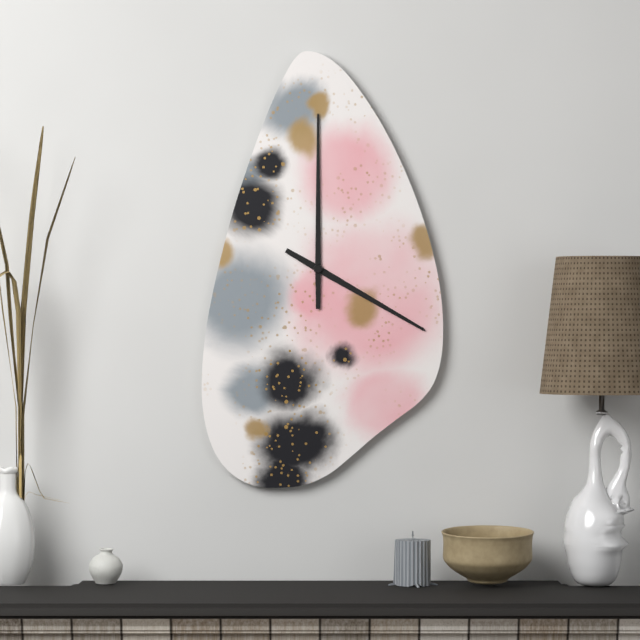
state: 4:00
